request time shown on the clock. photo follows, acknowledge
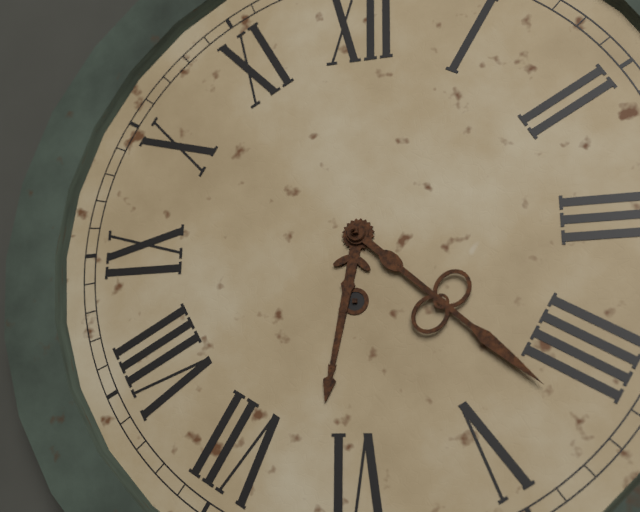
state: 6:22
